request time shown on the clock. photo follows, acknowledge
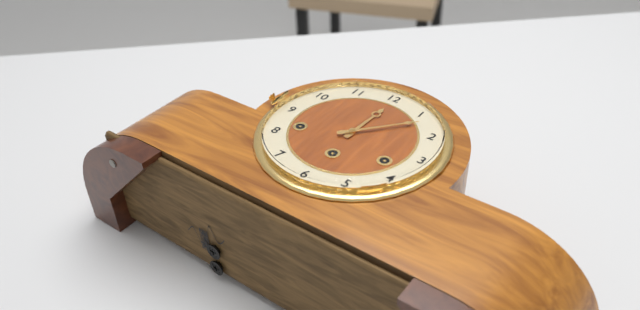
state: 12:07
